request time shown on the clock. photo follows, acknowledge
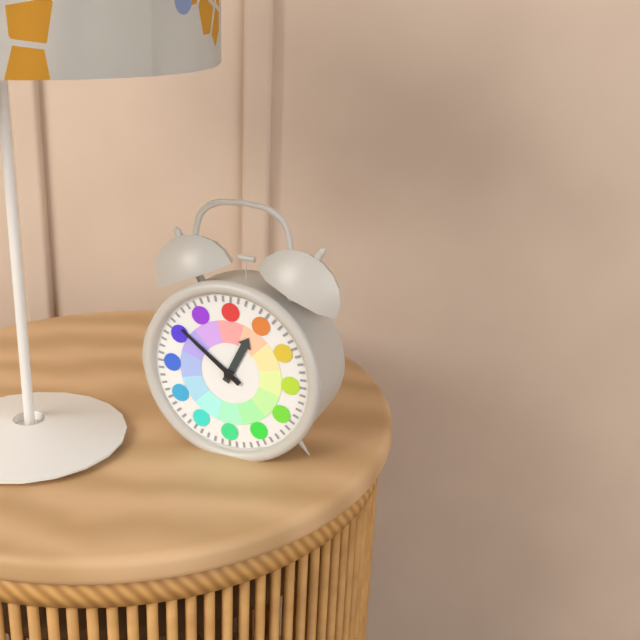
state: 12:51
